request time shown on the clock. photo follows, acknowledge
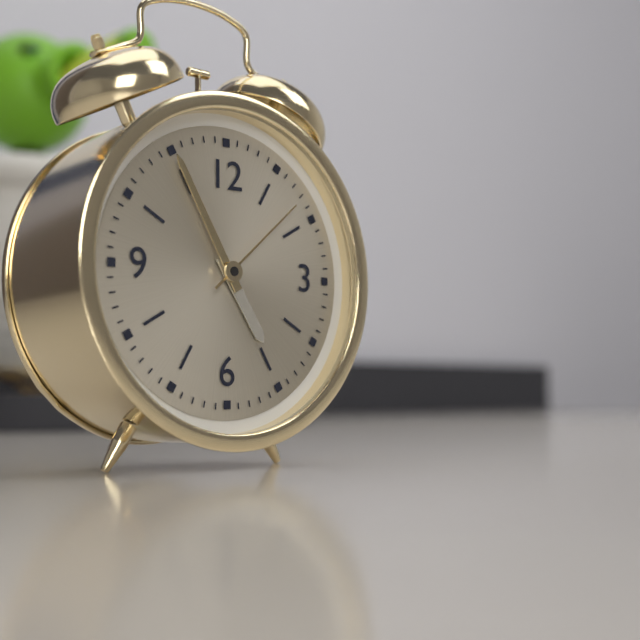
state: 4:55:08
